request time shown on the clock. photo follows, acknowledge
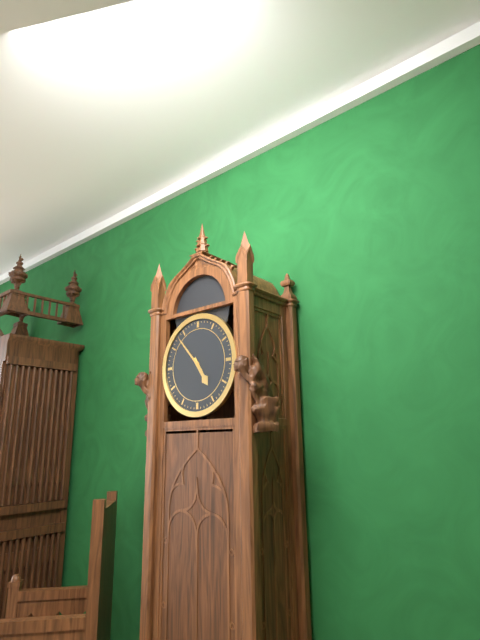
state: 4:53
